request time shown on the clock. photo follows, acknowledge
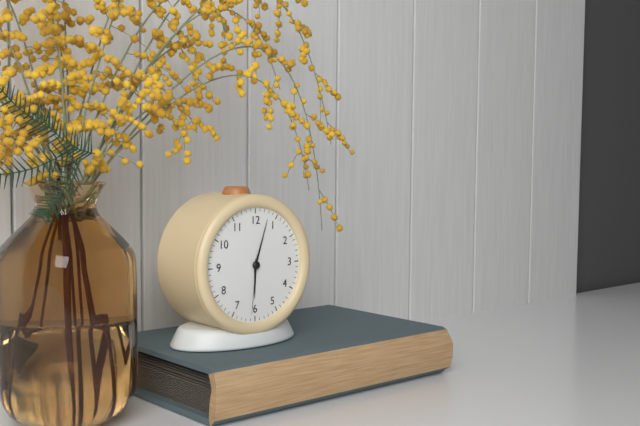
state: 6:03:31
